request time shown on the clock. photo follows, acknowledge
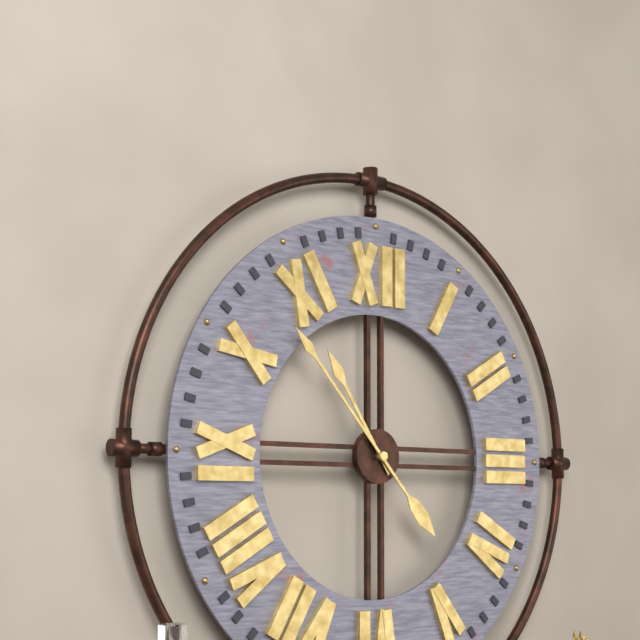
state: 10:53
